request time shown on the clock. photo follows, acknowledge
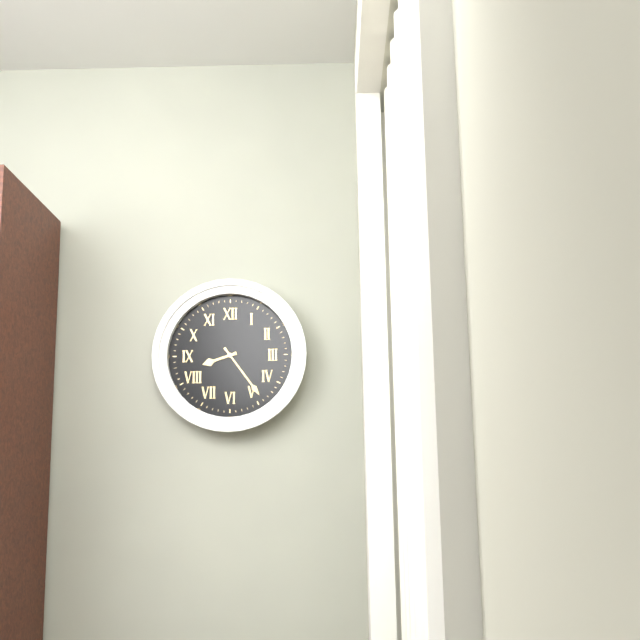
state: 8:24
